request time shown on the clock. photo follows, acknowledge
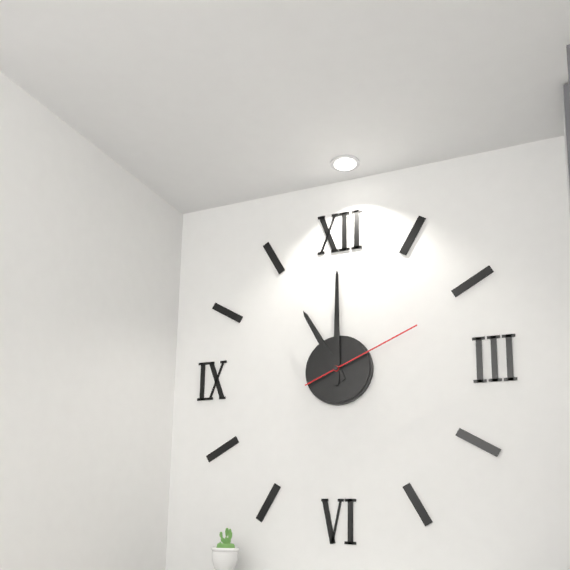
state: 11:00:11
